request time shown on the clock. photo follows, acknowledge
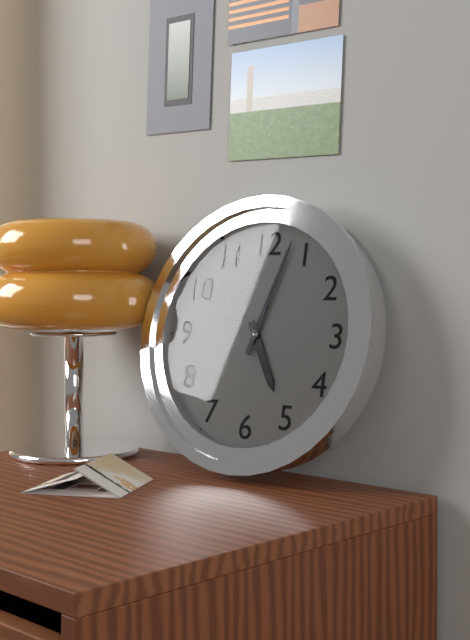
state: 5:03
